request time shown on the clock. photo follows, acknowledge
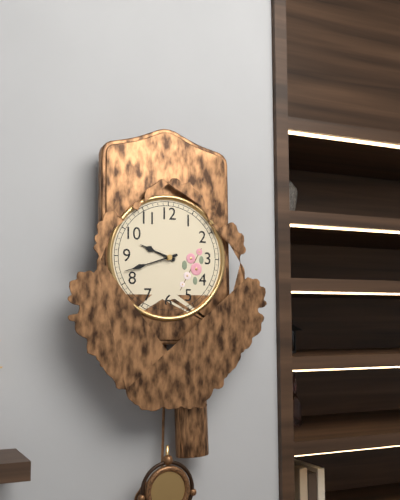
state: 9:42
